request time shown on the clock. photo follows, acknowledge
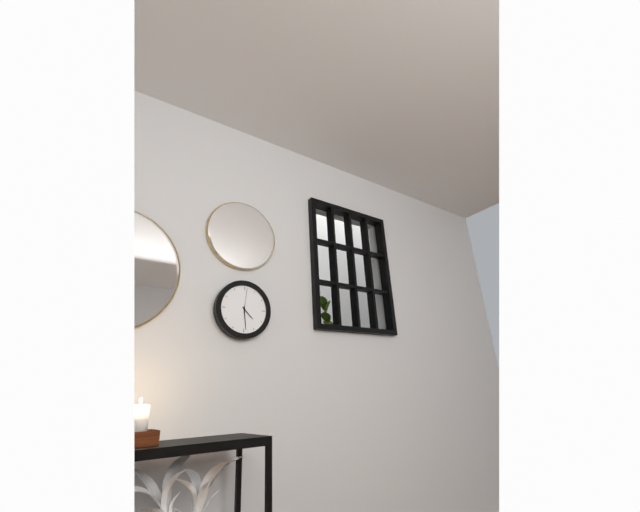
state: 4:29
